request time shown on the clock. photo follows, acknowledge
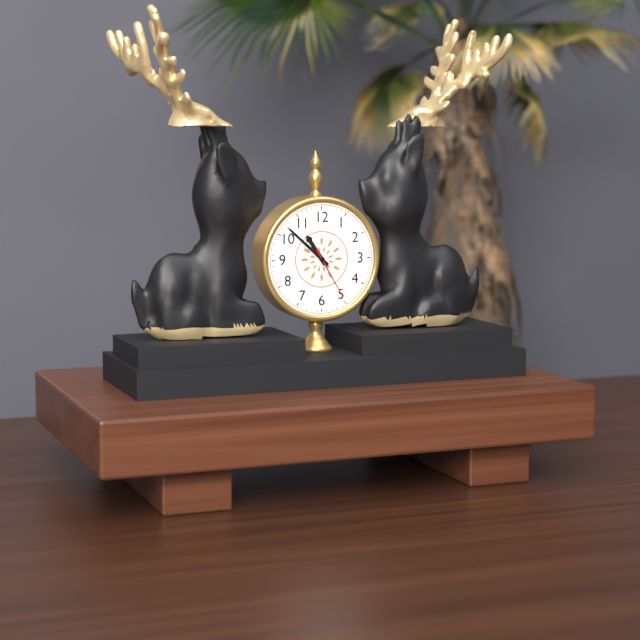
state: 10:52:25
